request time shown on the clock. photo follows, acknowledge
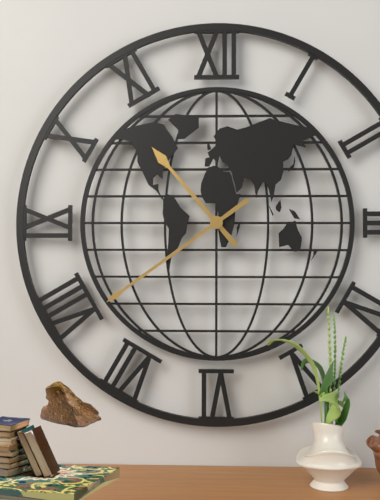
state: 10:39
